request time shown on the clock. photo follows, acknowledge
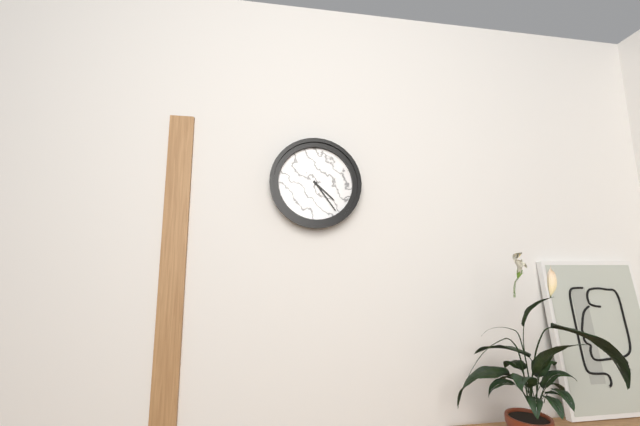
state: 4:24
